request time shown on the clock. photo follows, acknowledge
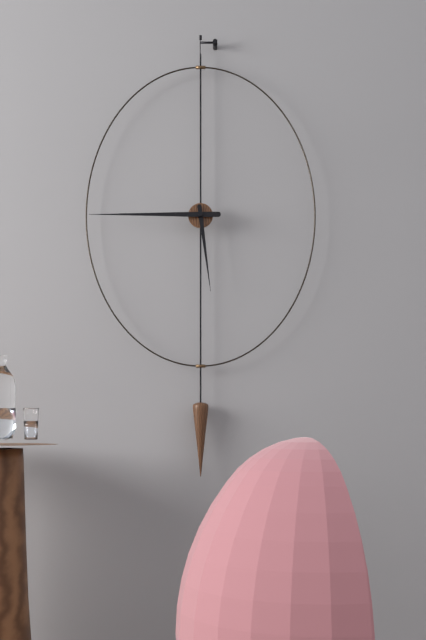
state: 5:45
